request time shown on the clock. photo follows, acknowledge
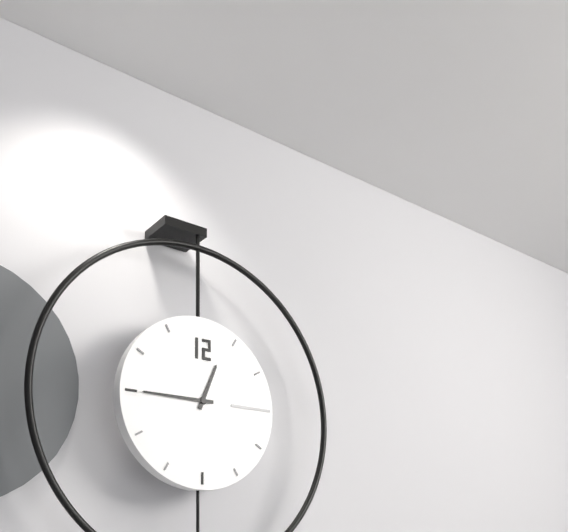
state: 12:45
